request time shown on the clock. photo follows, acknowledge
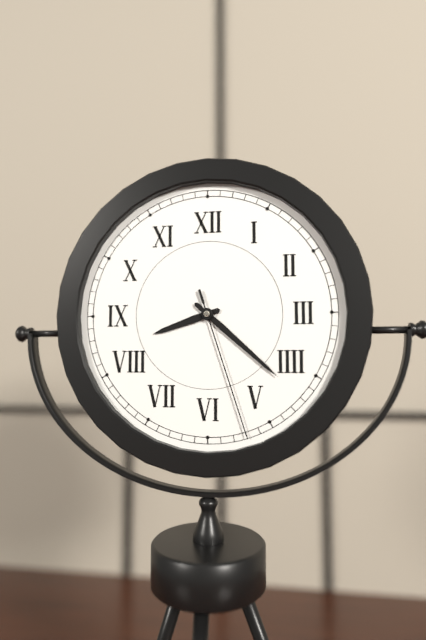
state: 8:22:27
